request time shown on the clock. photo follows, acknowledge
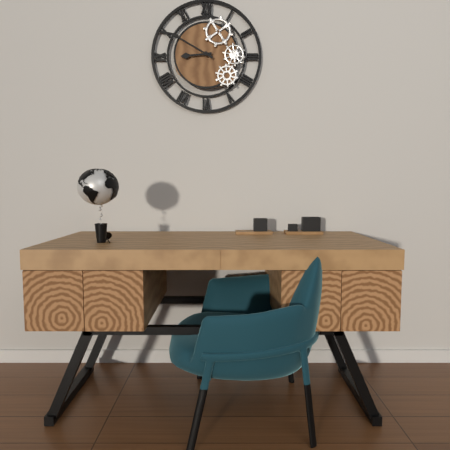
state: 8:50
